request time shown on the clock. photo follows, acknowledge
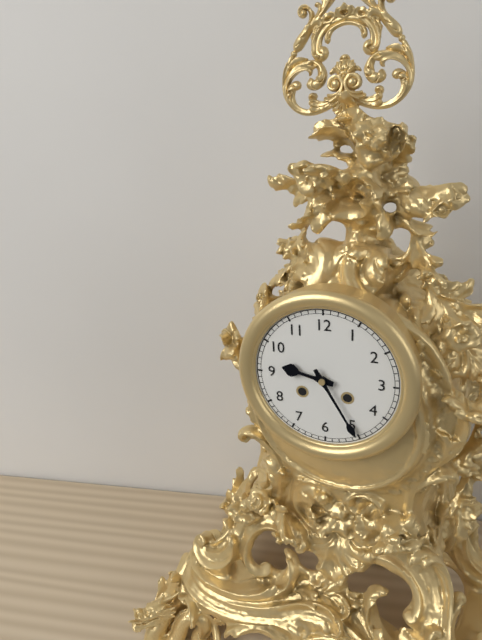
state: 9:25
